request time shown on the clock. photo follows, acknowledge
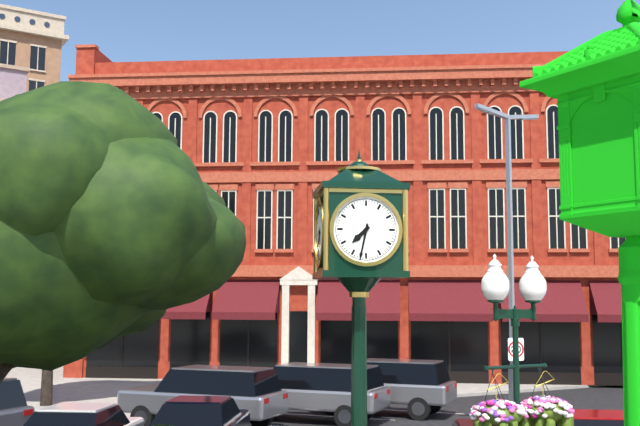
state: 7:32
